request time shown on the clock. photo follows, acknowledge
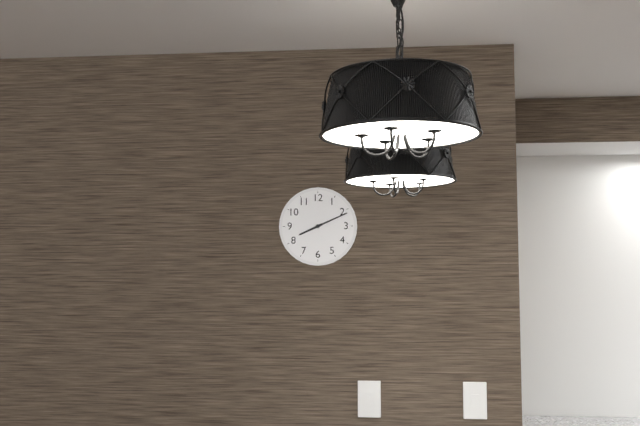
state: 8:11
